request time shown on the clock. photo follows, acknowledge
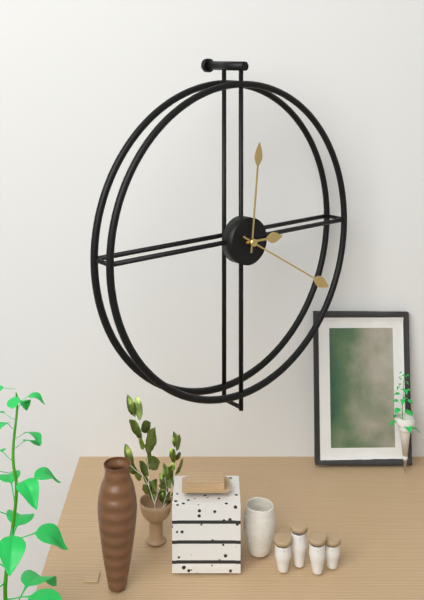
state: 3:01:20
